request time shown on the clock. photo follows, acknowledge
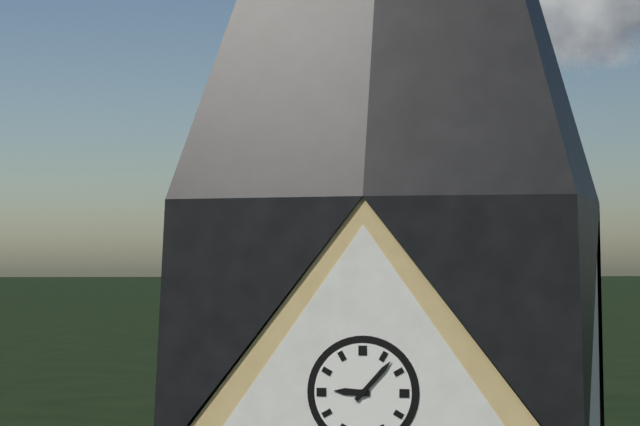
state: 9:07
